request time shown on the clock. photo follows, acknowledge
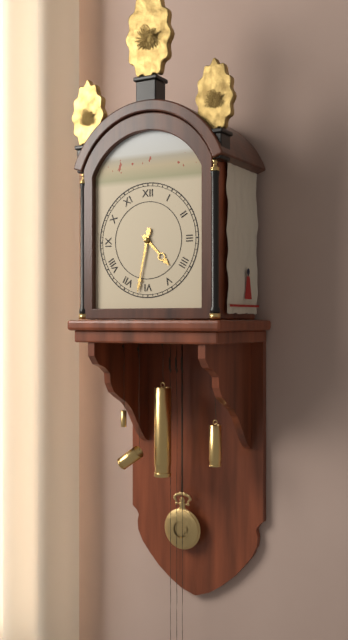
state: 4:32
